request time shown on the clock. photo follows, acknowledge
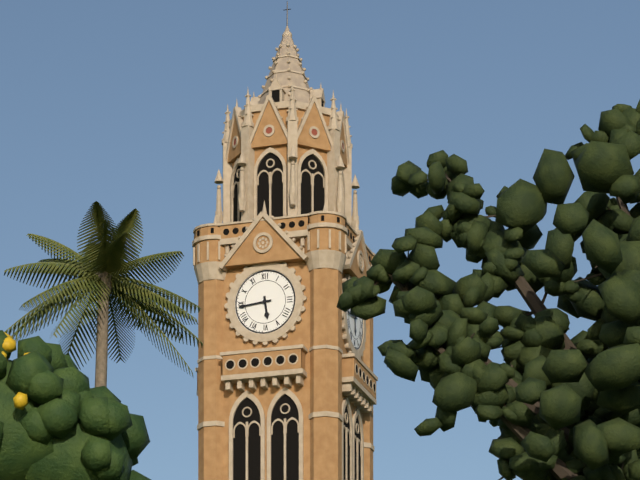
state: 5:44
